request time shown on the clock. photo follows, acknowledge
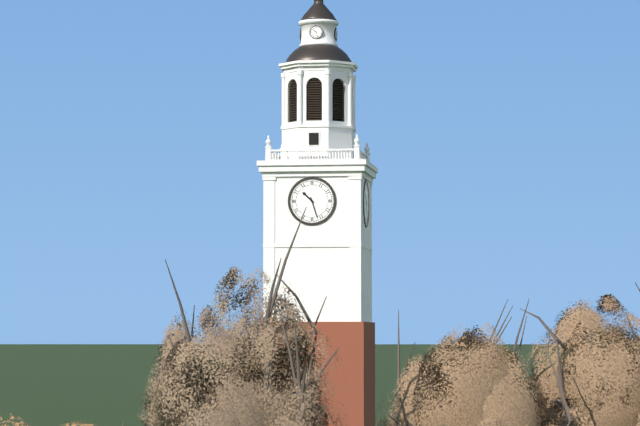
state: 10:27
